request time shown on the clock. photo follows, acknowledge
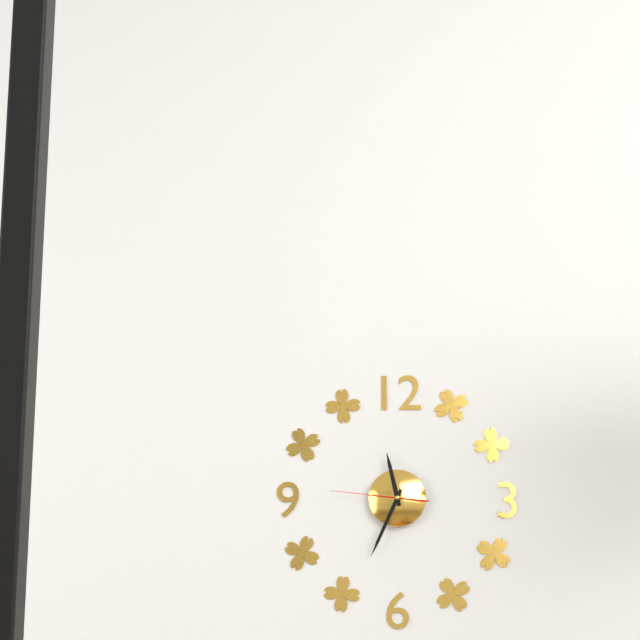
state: 11:34:46
